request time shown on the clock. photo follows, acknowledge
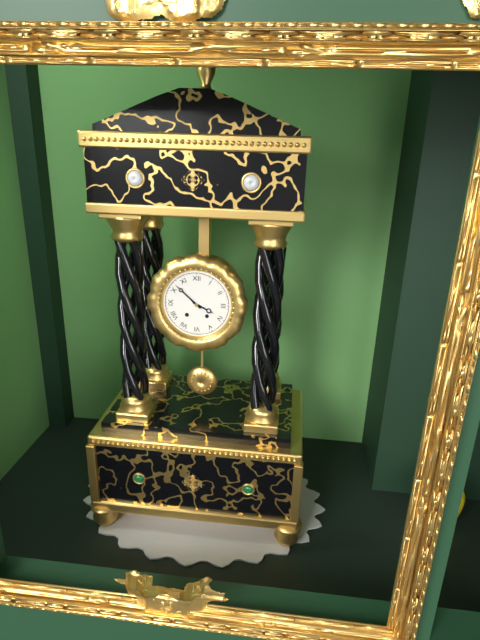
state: 3:52
